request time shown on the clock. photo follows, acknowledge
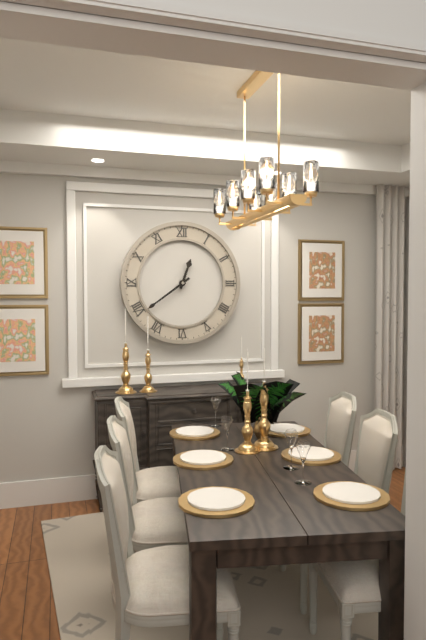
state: 12:39
